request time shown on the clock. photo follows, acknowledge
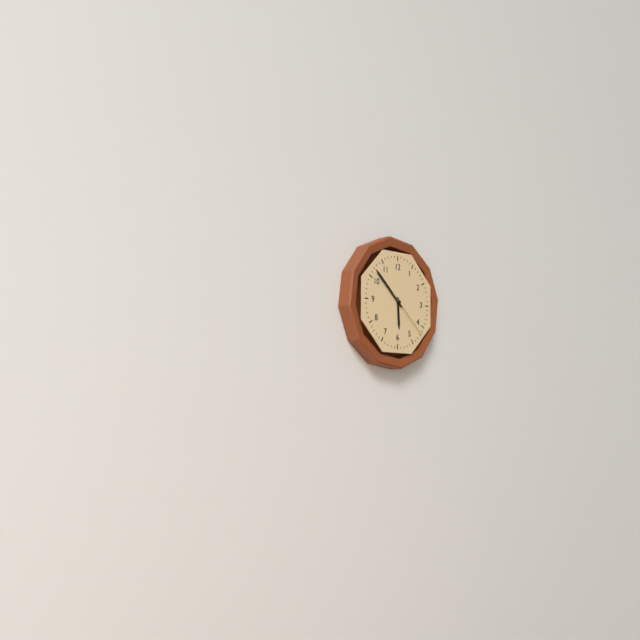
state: 5:52
